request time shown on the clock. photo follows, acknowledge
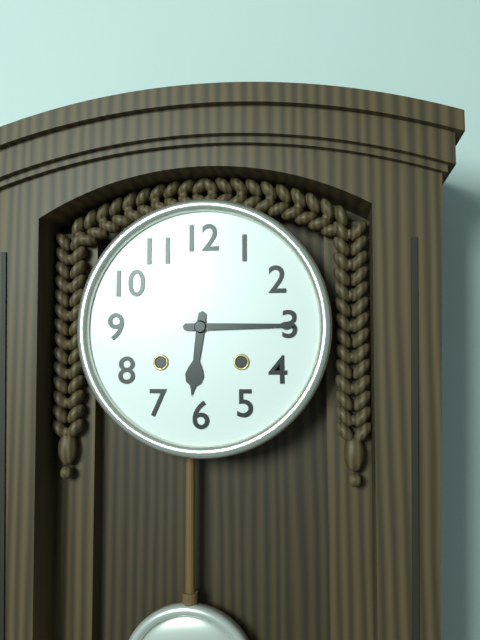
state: 6:15
